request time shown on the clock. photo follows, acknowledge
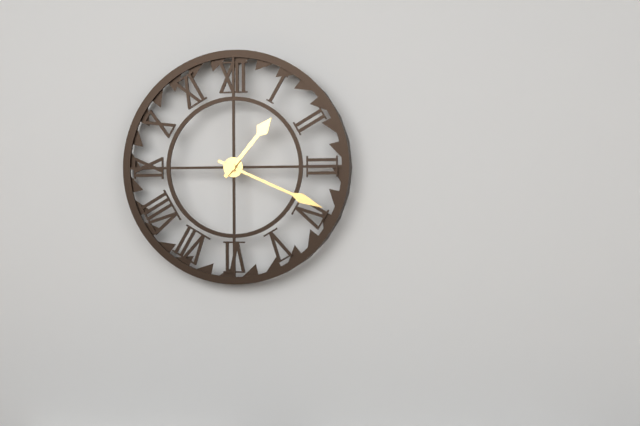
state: 1:19
